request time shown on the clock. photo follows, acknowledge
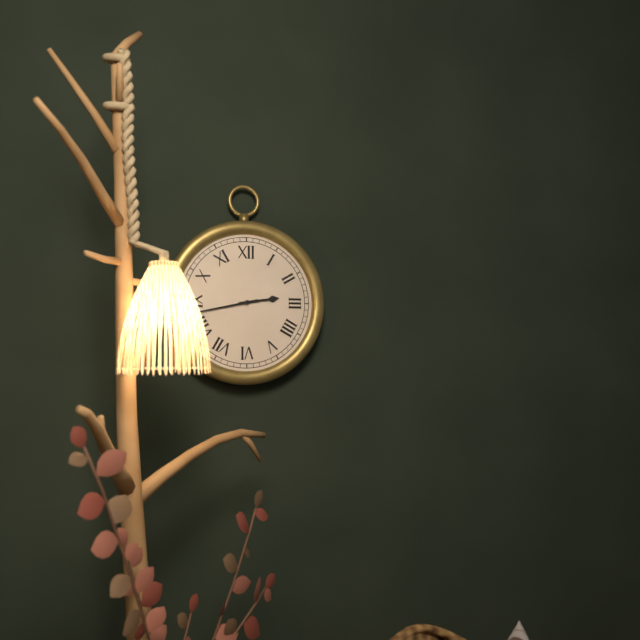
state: 2:43
